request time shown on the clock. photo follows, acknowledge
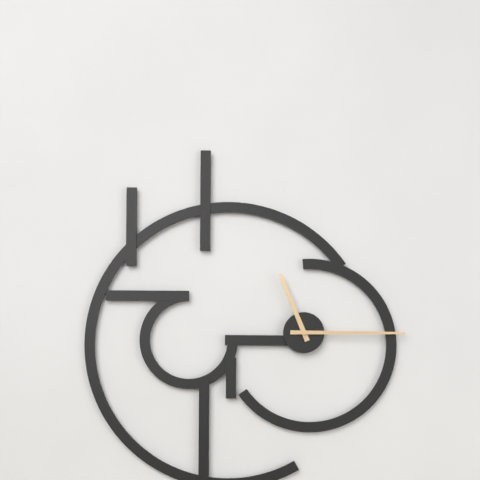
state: 11:15
